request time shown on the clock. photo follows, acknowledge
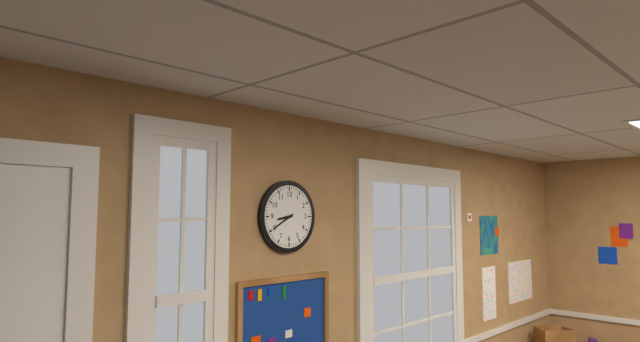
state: 8:40
